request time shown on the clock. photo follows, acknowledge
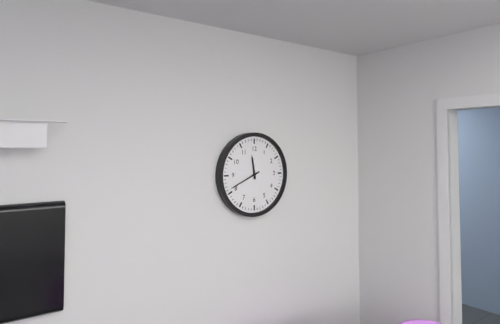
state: 11:41
